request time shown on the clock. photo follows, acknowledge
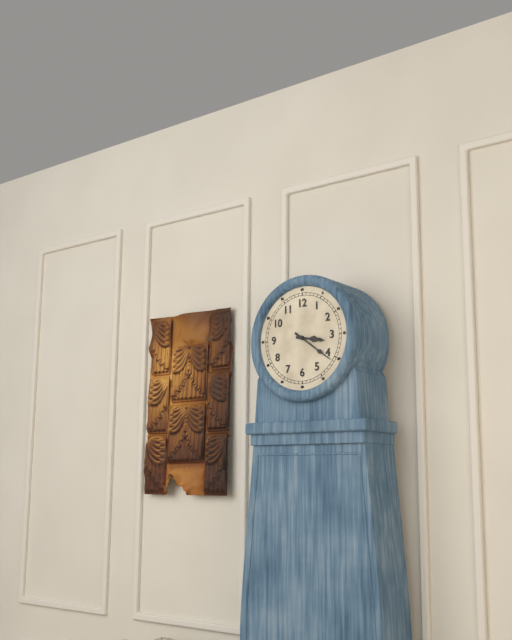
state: 3:21
